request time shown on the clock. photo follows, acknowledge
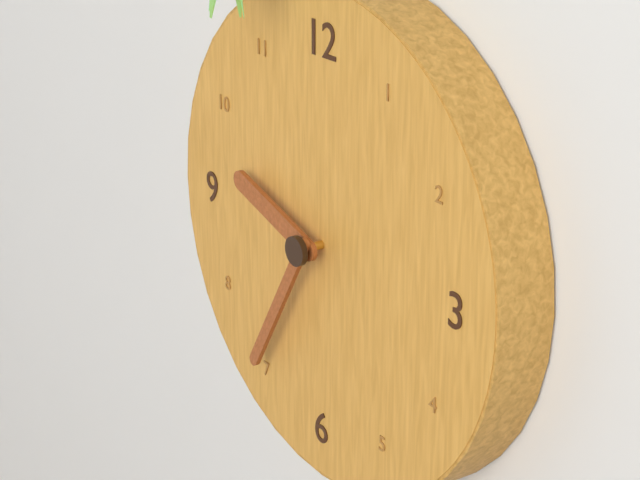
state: 9:35
